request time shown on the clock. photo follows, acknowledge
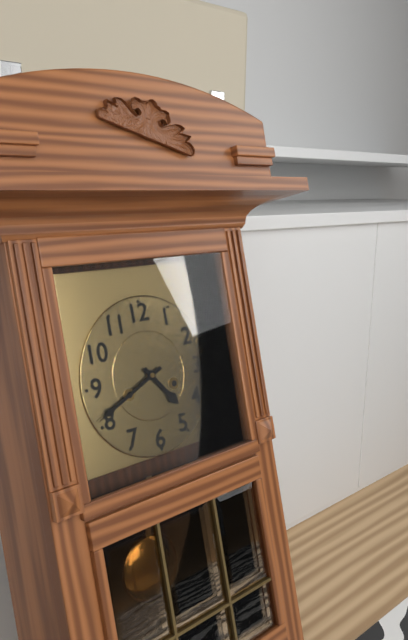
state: 4:41
